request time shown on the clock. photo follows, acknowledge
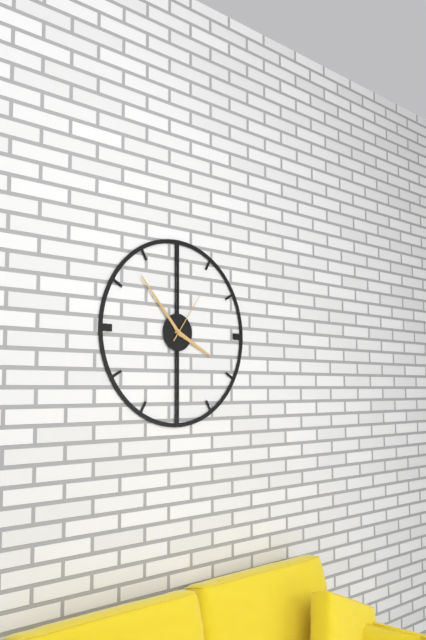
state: 3:53:06
